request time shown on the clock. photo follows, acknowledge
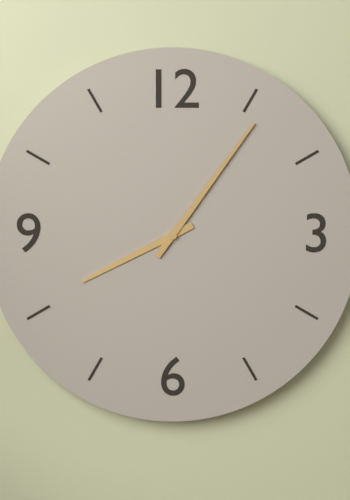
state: 8:06
